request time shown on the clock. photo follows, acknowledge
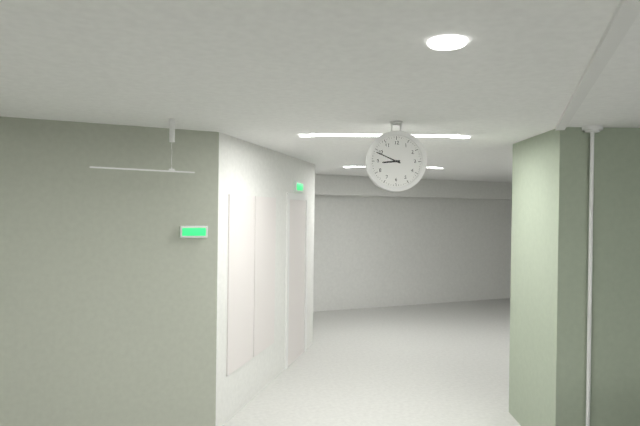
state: 8:49
